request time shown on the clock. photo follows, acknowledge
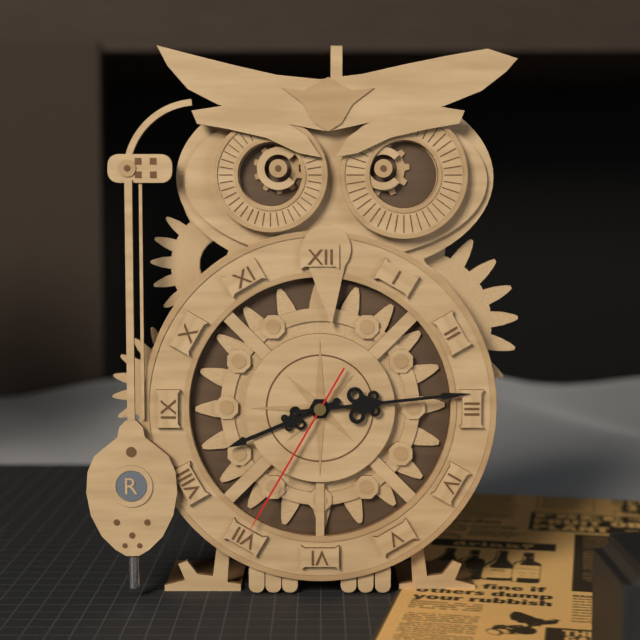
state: 8:14:35
